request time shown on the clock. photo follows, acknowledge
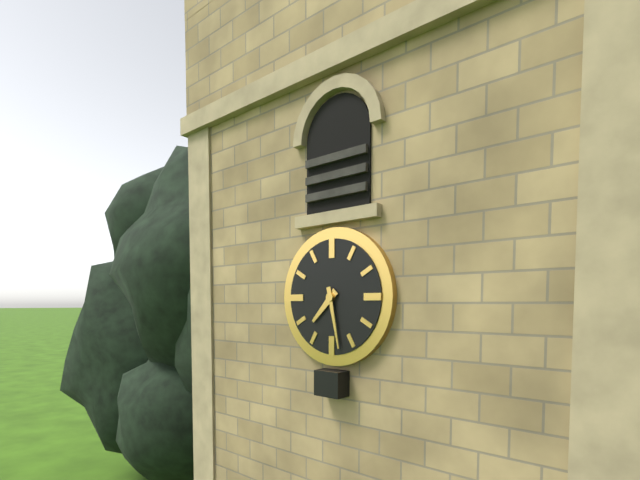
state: 7:28
